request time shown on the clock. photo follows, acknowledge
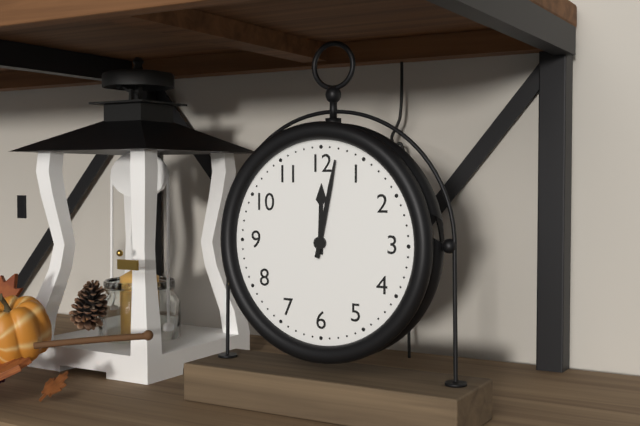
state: 12:02
